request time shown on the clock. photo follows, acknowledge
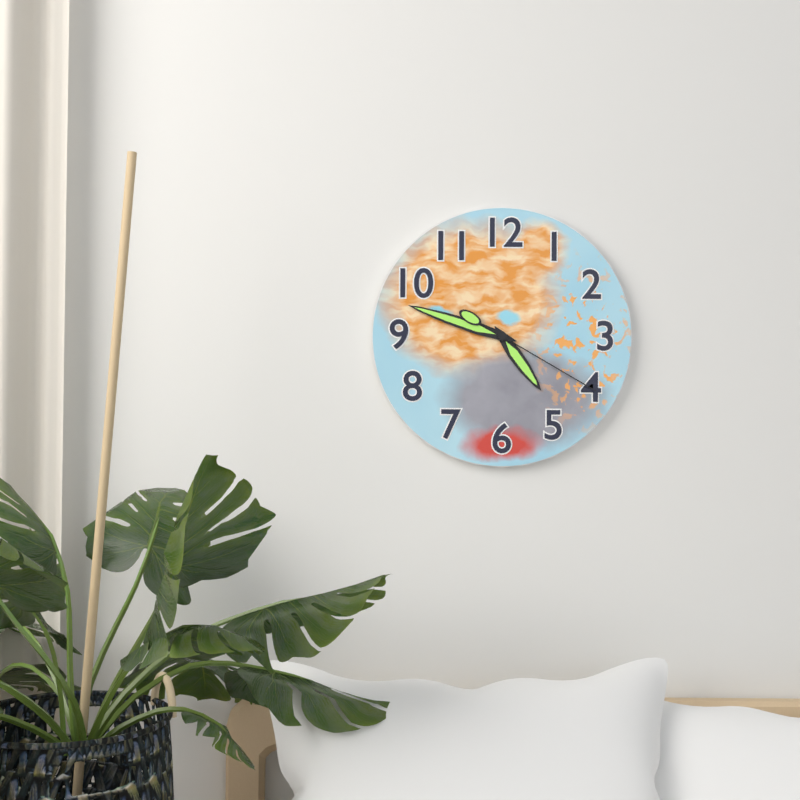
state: 4:48:20
